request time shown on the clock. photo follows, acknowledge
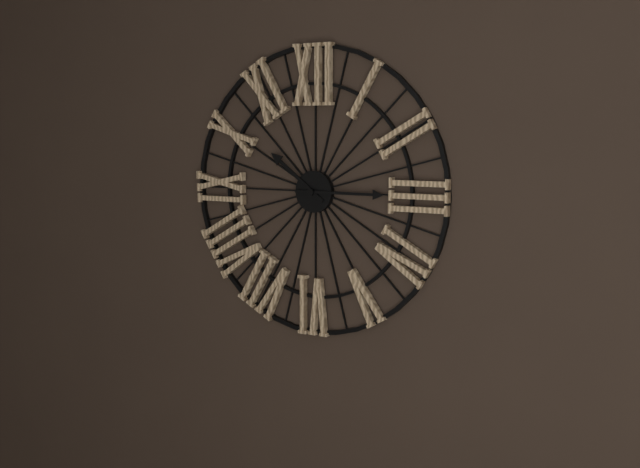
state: 10:15
